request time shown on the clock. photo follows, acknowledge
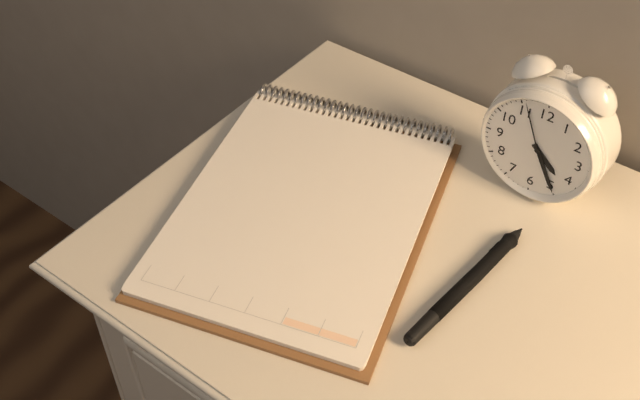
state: 4:25:56
